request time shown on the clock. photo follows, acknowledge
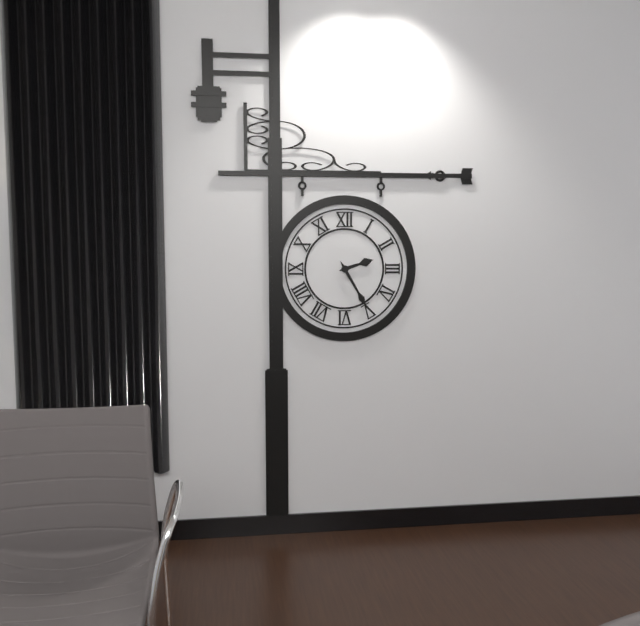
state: 2:25
